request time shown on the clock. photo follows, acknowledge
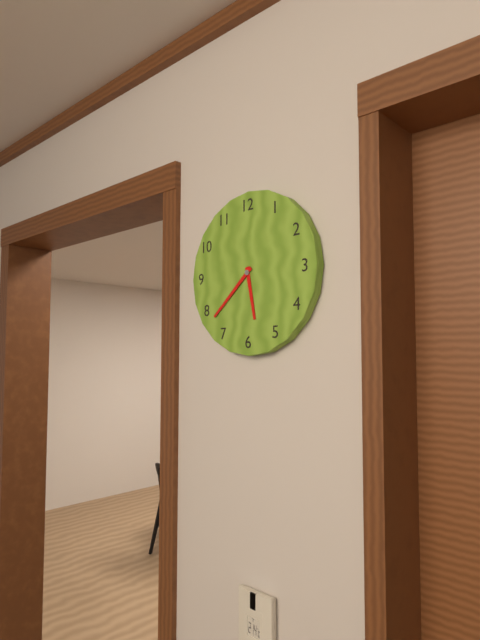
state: 5:38
